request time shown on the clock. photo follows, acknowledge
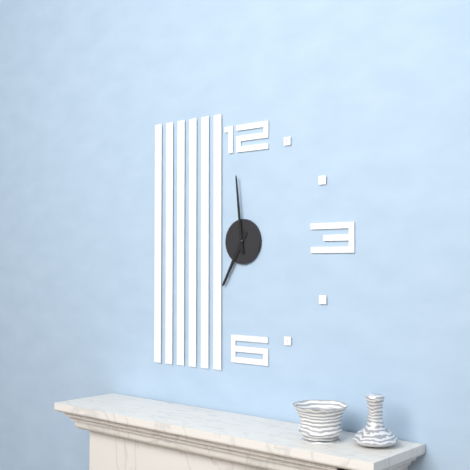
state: 6:59
